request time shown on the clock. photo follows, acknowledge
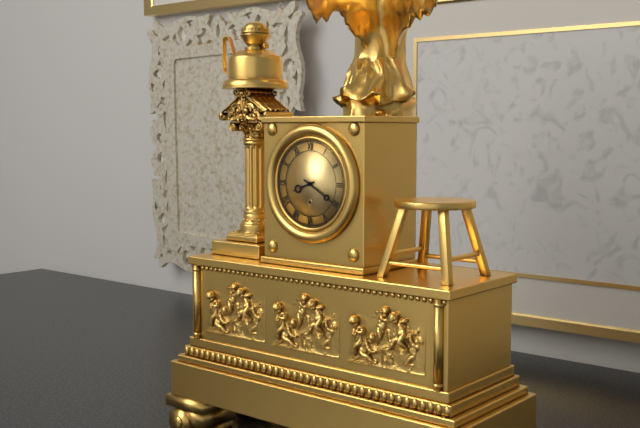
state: 8:20
